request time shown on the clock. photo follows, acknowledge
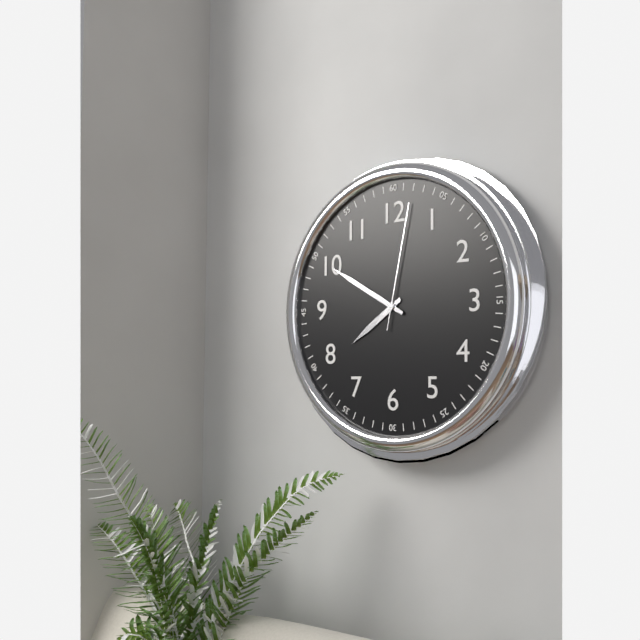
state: 7:50:02
